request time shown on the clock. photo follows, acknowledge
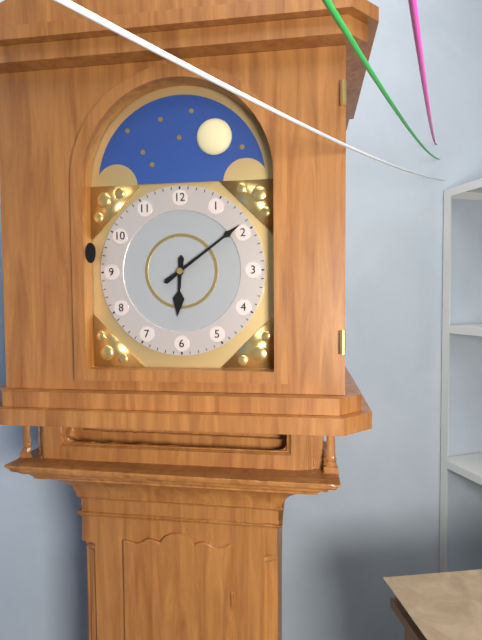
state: 6:09
